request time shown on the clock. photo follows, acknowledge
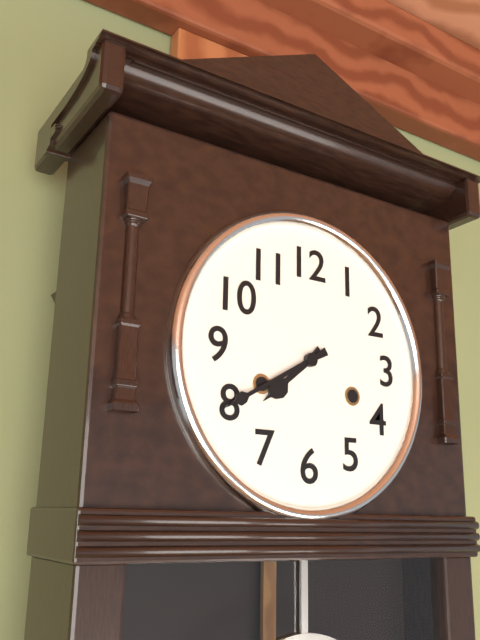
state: 7:40
